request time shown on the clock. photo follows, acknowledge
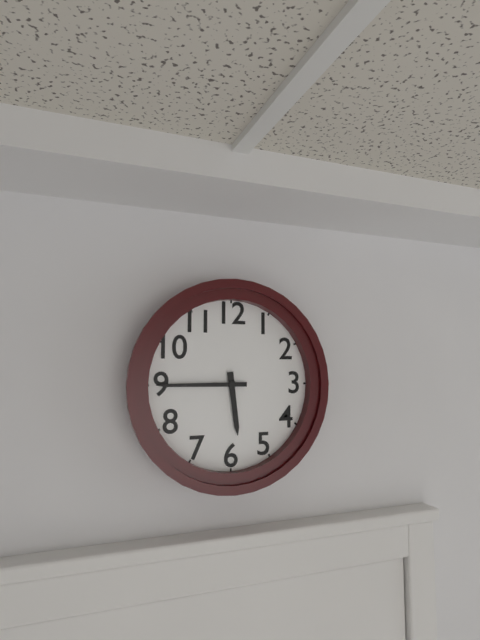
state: 5:45
